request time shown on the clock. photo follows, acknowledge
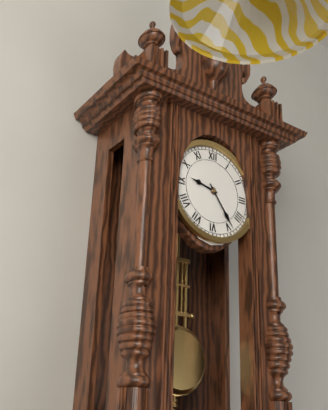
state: 9:24
